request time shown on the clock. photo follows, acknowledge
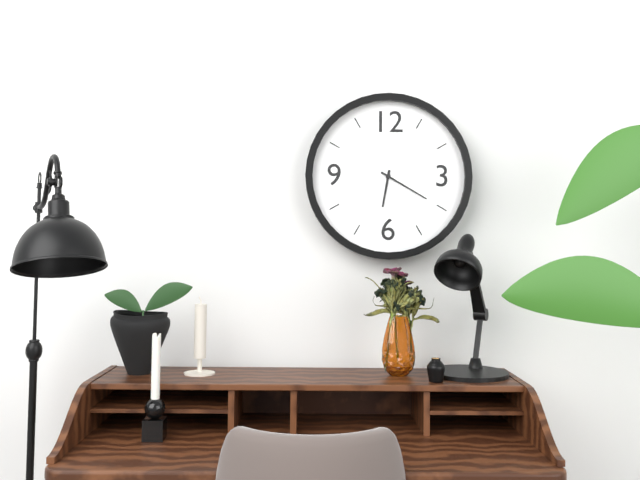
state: 6:20
